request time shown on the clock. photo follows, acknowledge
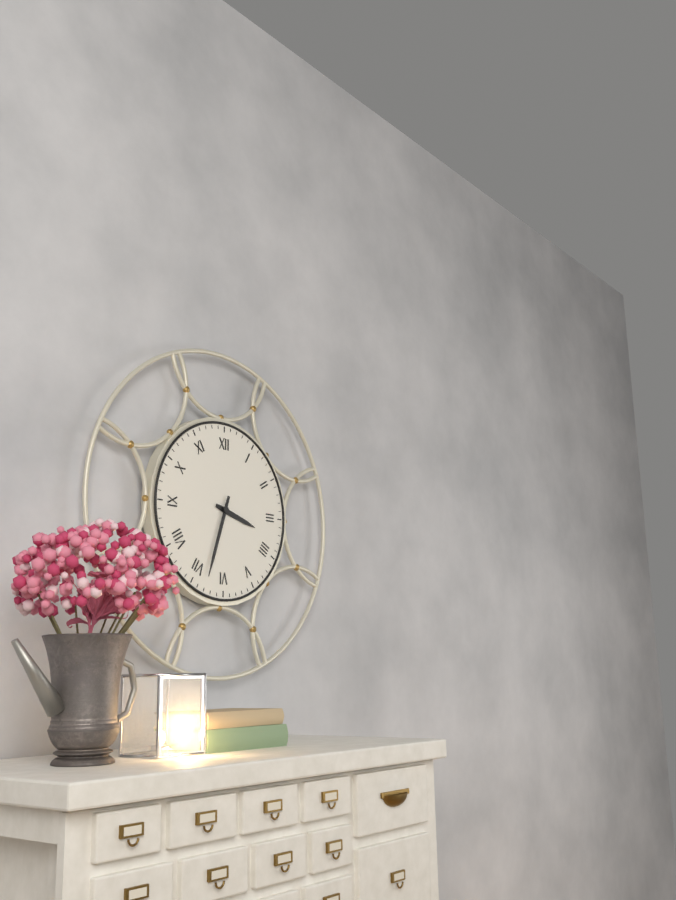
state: 3:33
